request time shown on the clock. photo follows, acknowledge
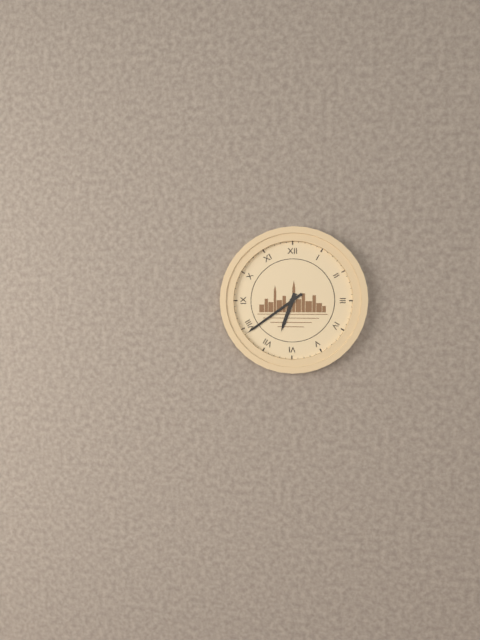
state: 6:39
